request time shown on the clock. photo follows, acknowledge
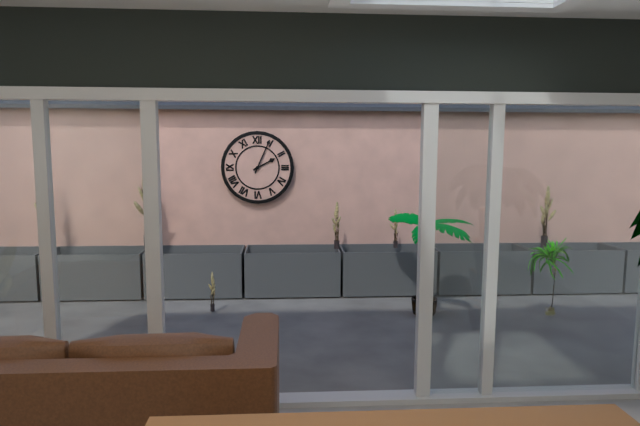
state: 2:04
